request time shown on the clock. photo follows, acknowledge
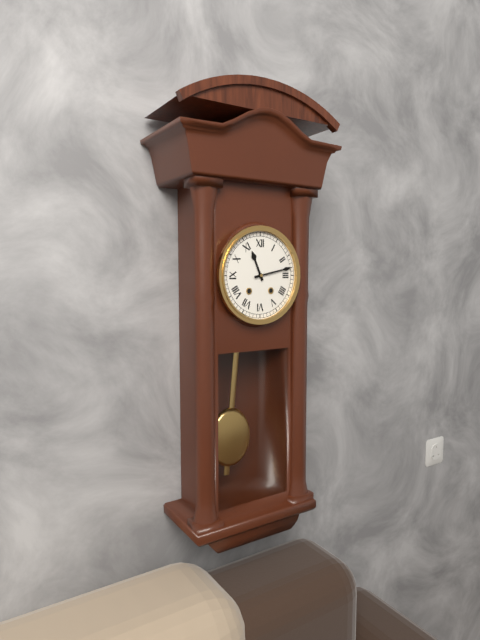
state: 11:13
